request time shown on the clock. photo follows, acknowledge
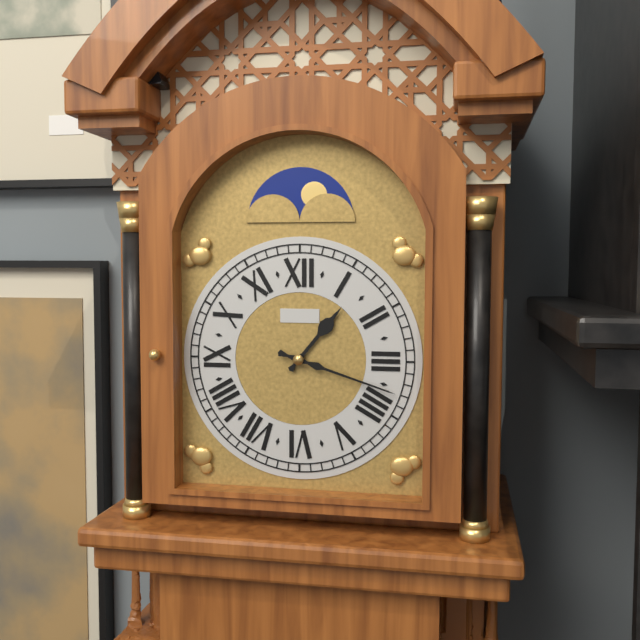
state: 1:18
